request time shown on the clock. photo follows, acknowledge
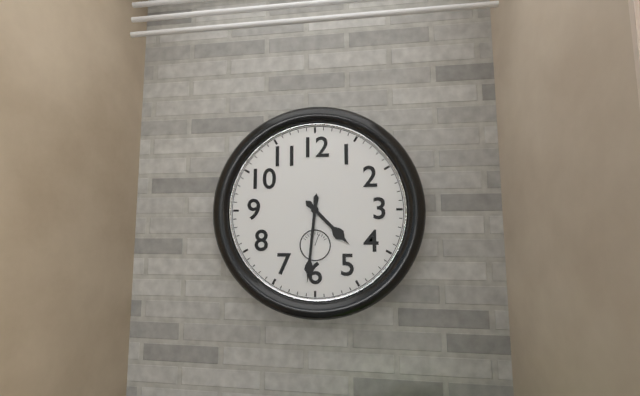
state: 4:31
